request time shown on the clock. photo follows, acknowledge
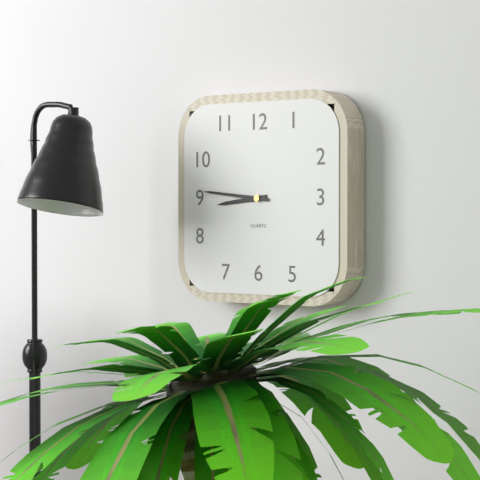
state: 8:46
